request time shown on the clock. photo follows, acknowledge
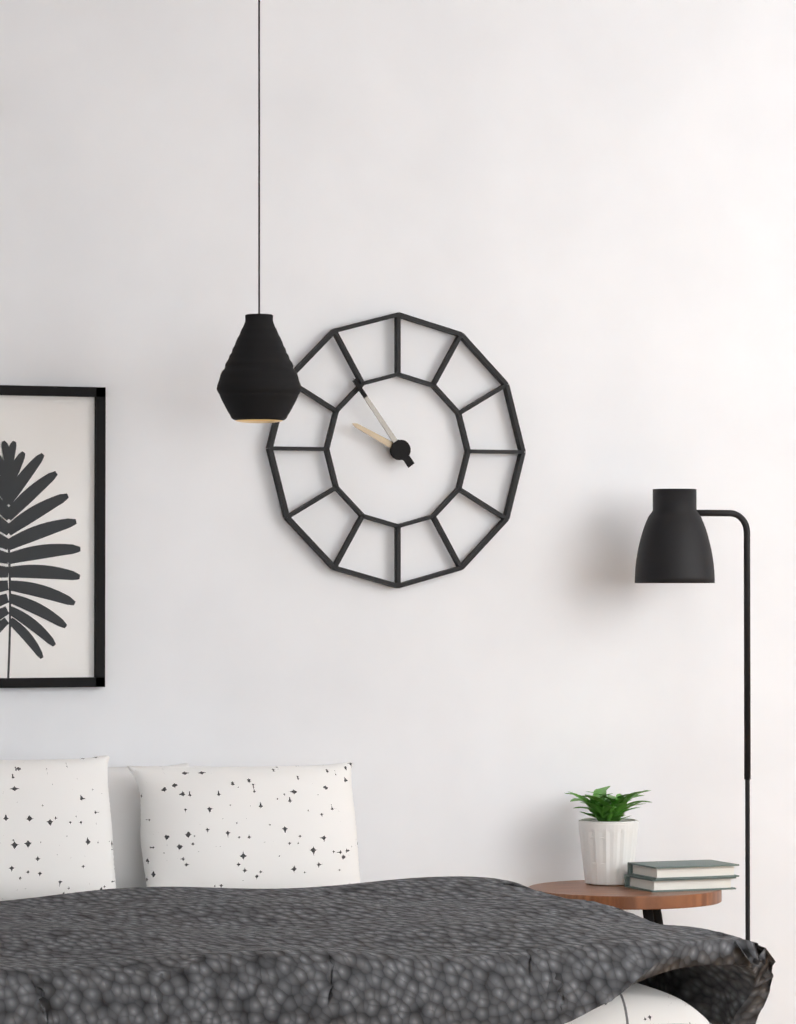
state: 9:54
